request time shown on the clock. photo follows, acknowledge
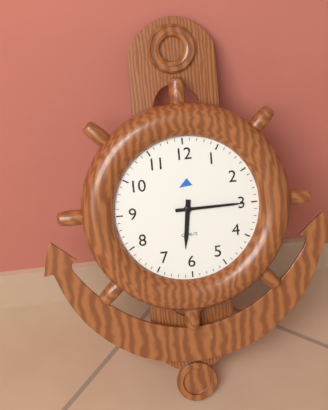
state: 6:15
